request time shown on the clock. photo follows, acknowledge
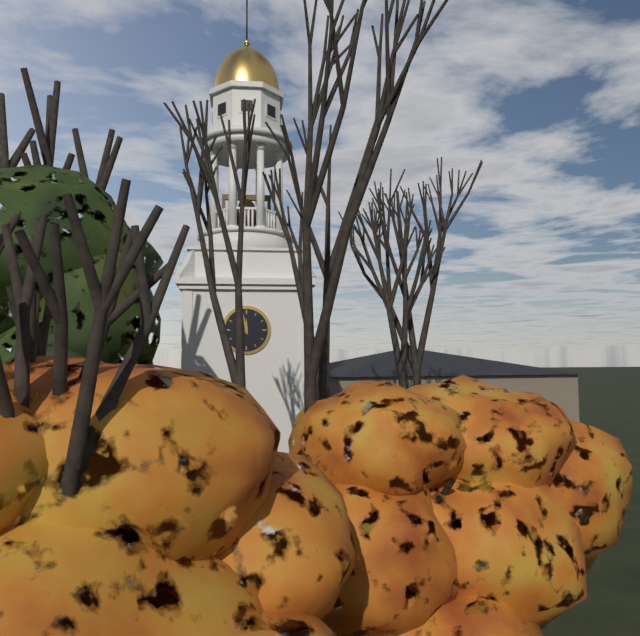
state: 11:58
